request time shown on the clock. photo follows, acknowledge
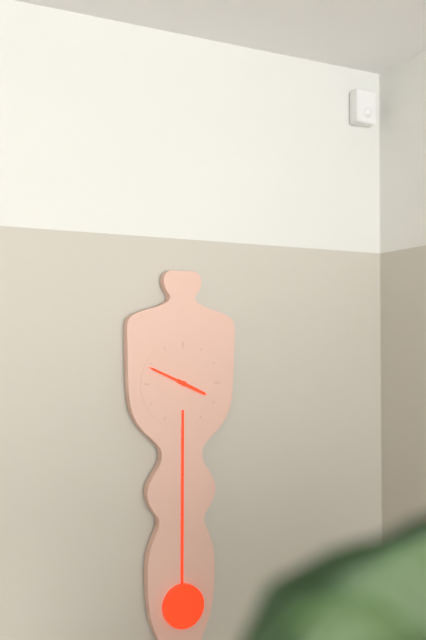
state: 3:49
